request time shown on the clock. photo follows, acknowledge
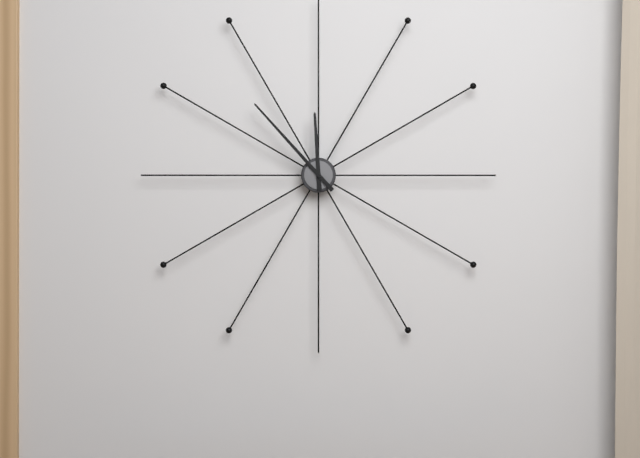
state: 11:53
